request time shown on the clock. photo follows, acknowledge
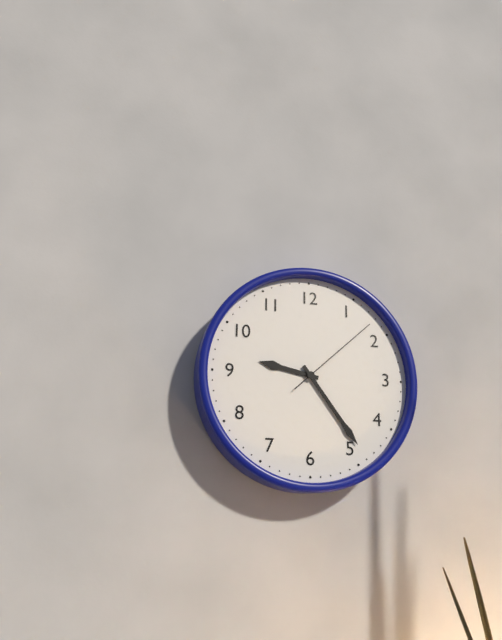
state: 9:24:08
